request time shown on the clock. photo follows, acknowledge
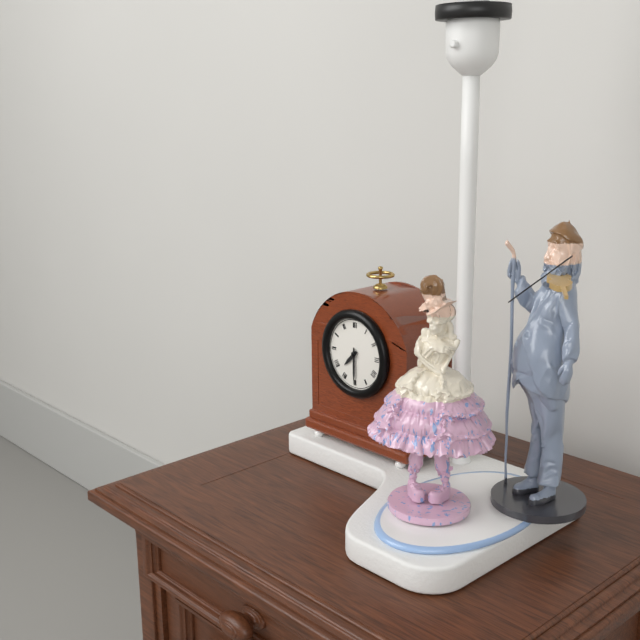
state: 7:30
